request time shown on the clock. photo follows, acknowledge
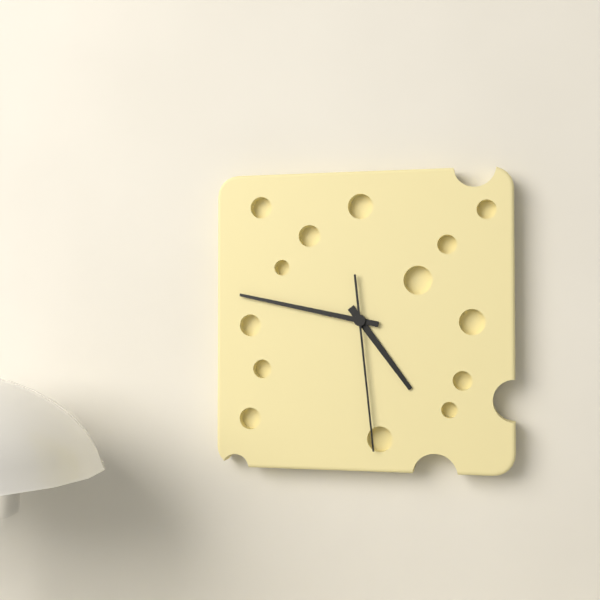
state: 4:47:29
